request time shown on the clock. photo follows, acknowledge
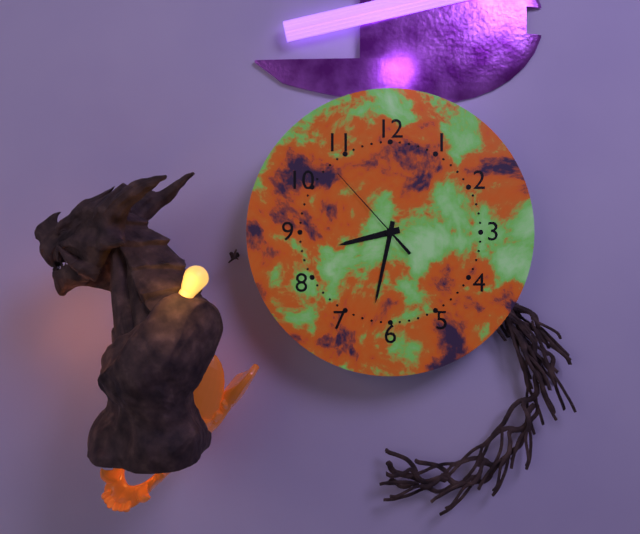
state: 8:32:53
